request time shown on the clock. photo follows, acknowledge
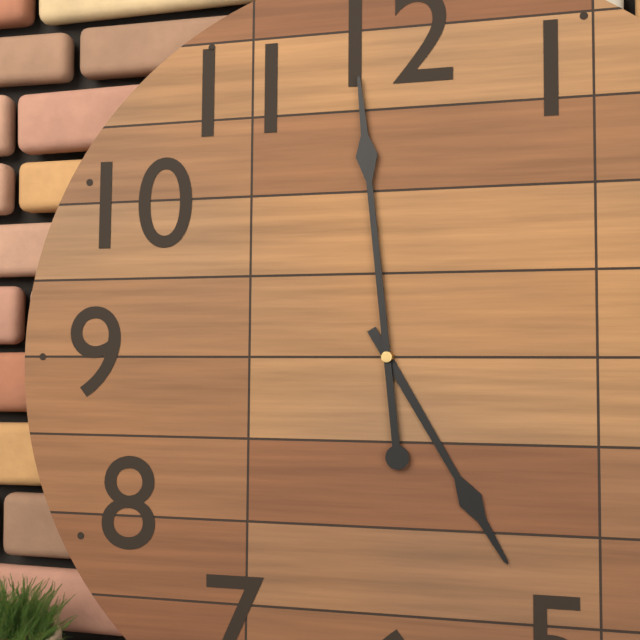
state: 4:59
